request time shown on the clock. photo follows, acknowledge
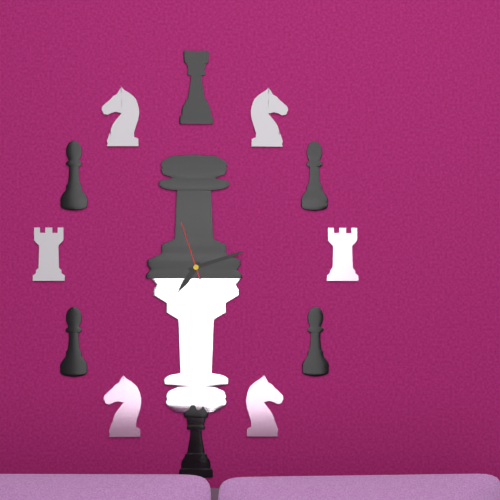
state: 7:12:57
